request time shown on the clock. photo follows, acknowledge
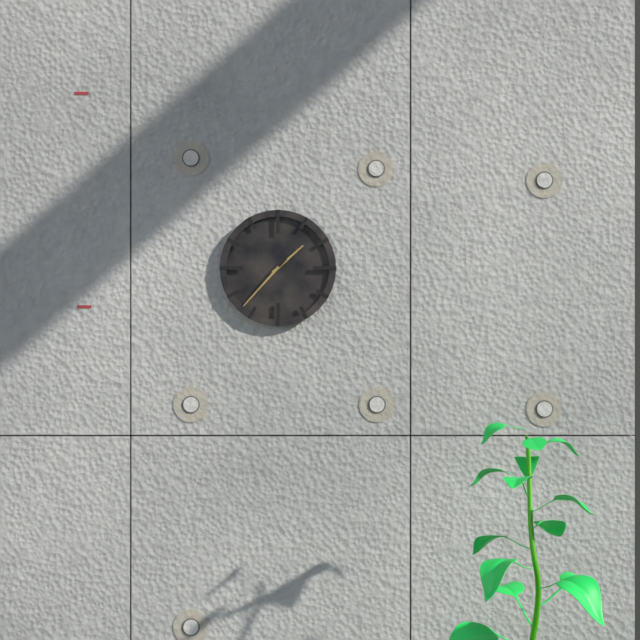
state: 1:37
